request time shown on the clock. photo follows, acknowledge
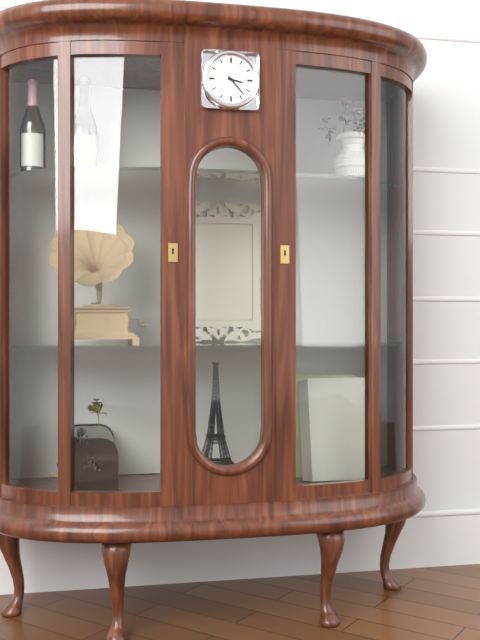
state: 3:23
